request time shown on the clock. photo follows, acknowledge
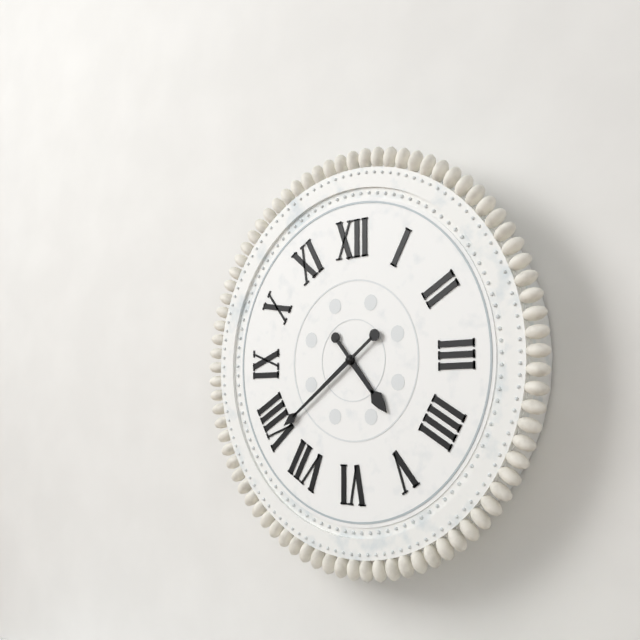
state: 4:39
